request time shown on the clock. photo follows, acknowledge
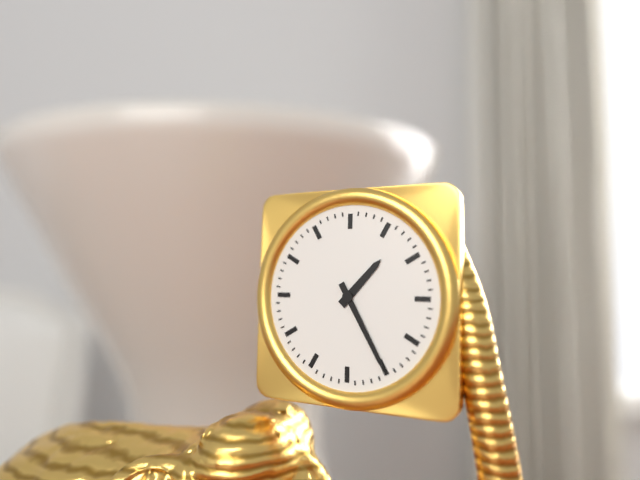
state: 1:25
